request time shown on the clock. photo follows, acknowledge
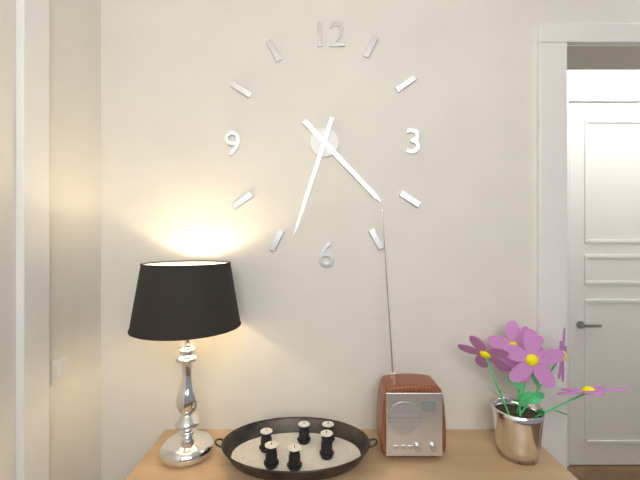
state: 4:33
